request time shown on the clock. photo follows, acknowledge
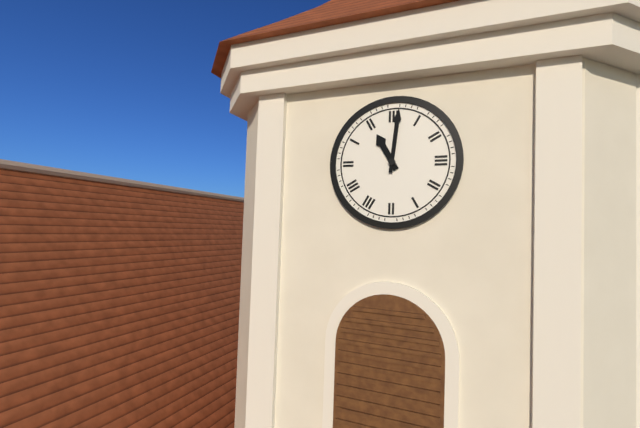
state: 11:01
